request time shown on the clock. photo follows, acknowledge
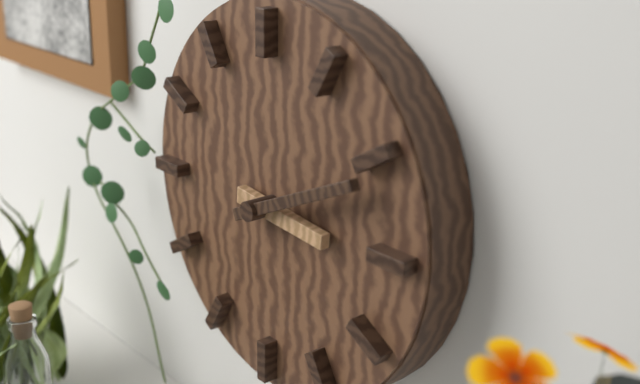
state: 3:11
